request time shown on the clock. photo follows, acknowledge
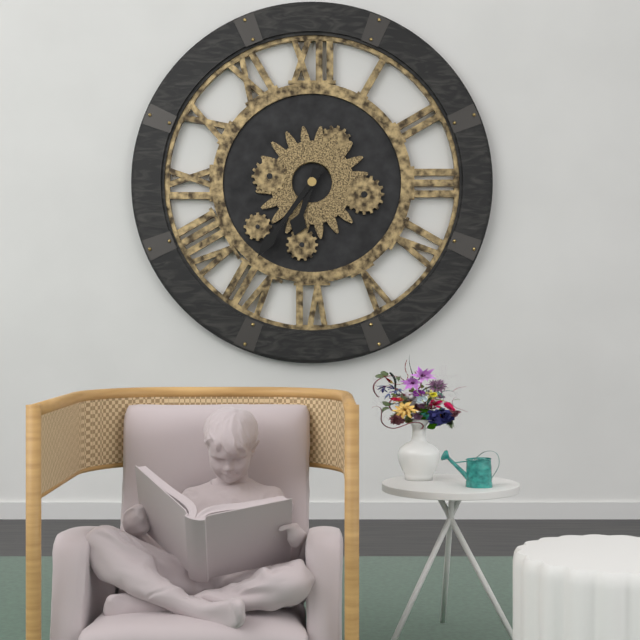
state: 6:36
